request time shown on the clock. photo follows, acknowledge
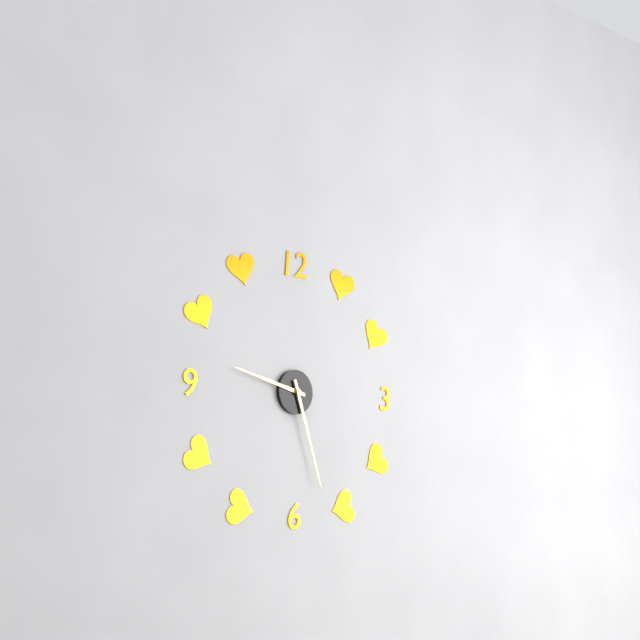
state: 9:27
